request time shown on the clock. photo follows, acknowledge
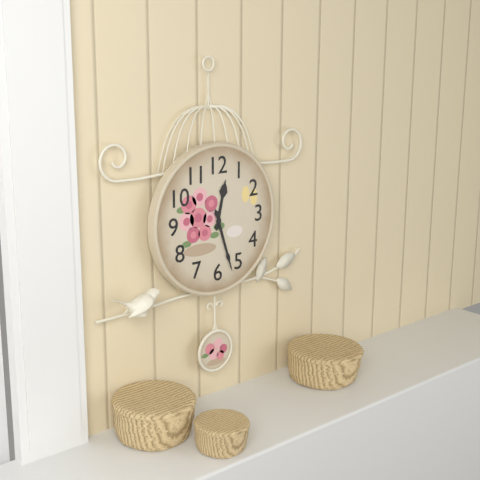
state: 12:27
